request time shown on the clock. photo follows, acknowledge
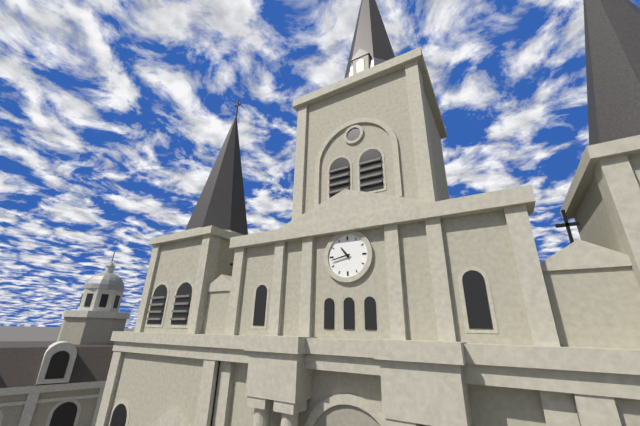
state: 10:43
